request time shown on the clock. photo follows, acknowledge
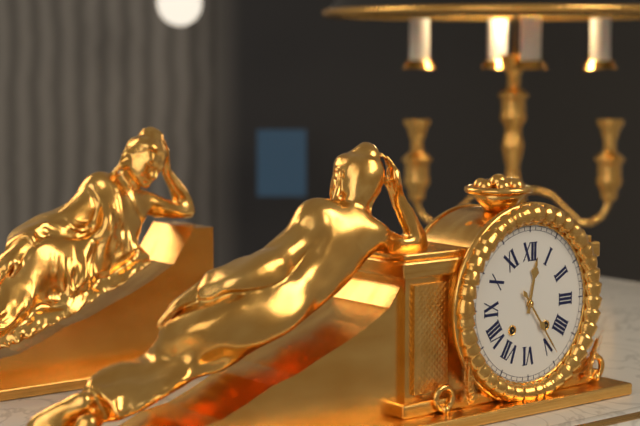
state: 12:24
